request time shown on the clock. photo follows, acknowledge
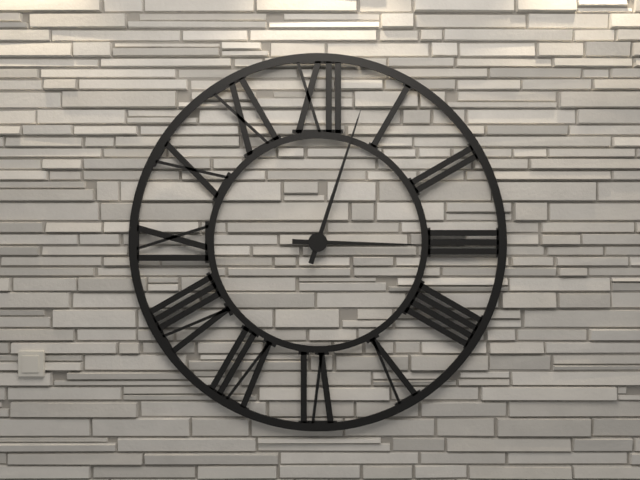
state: 3:03
